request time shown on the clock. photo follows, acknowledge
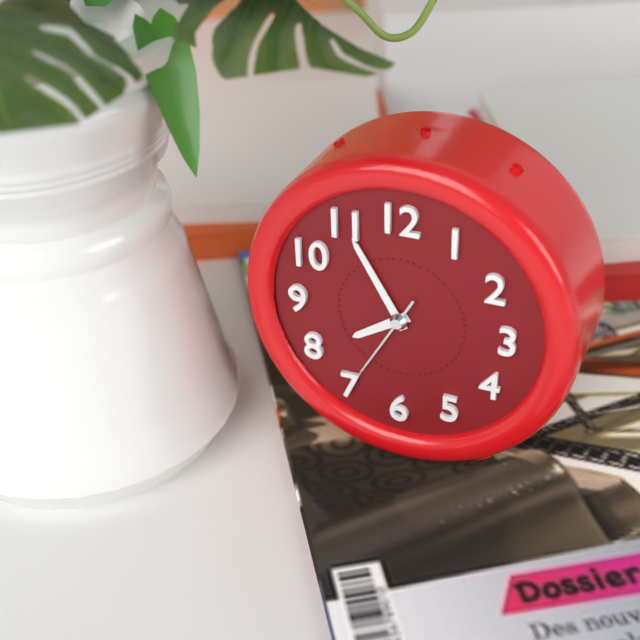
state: 7:55:35
